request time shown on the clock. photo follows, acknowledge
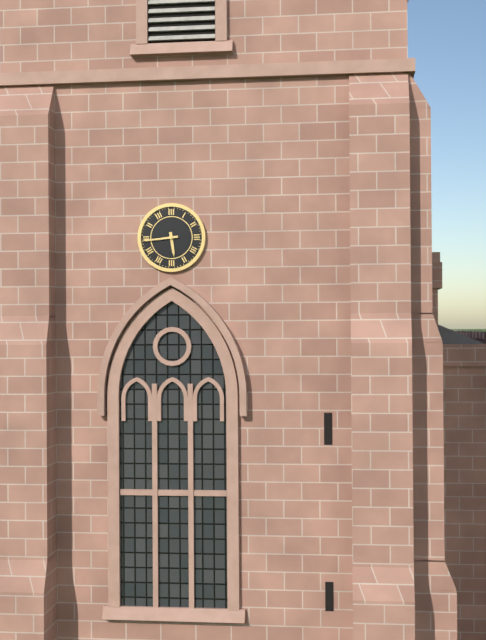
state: 5:44
